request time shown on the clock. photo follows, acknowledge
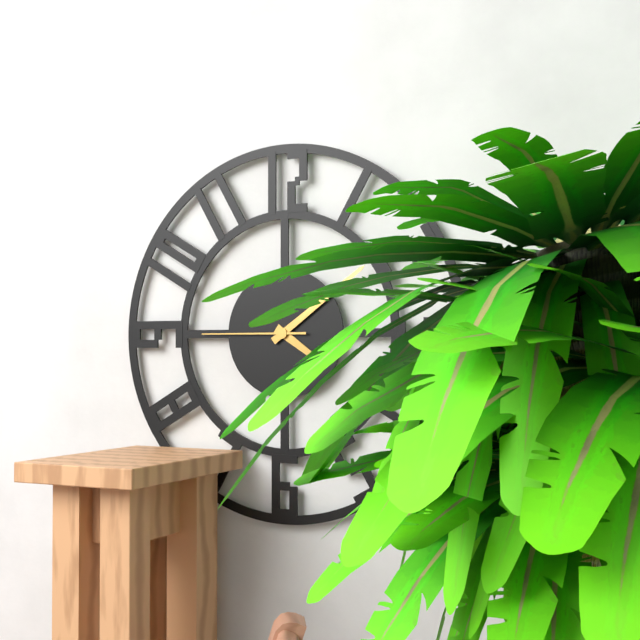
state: 4:09:45
